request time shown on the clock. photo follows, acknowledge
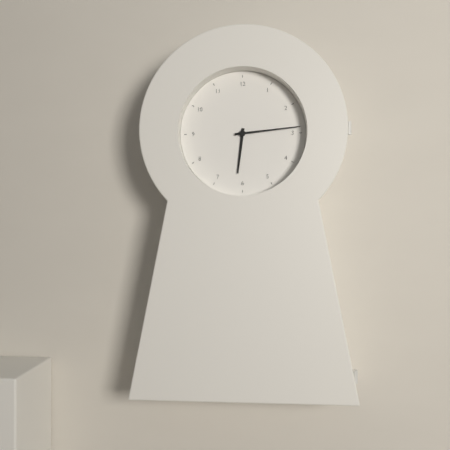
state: 6:14
